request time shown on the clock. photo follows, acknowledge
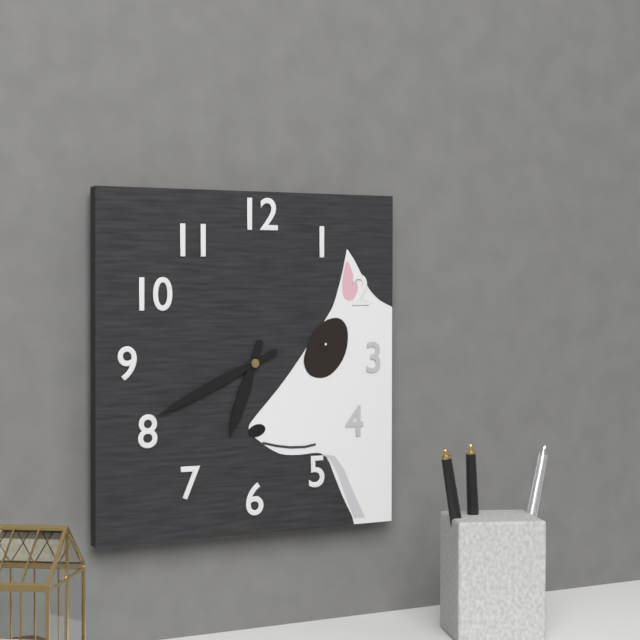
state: 6:41
